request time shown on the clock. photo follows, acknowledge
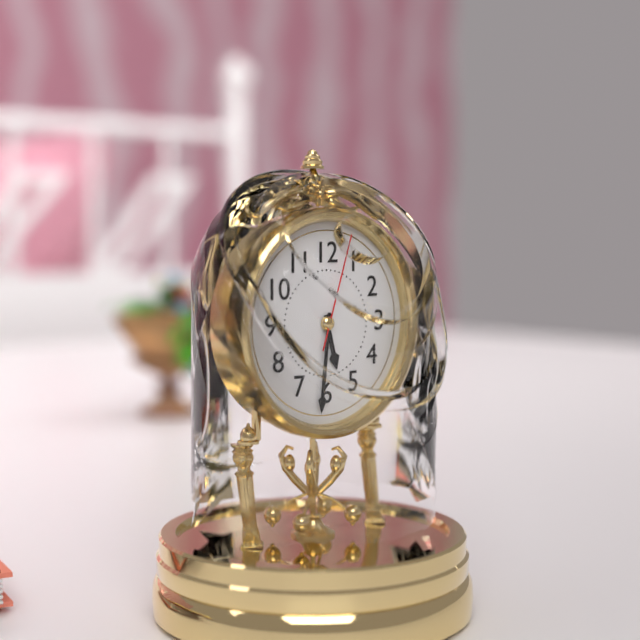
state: 5:31:03
